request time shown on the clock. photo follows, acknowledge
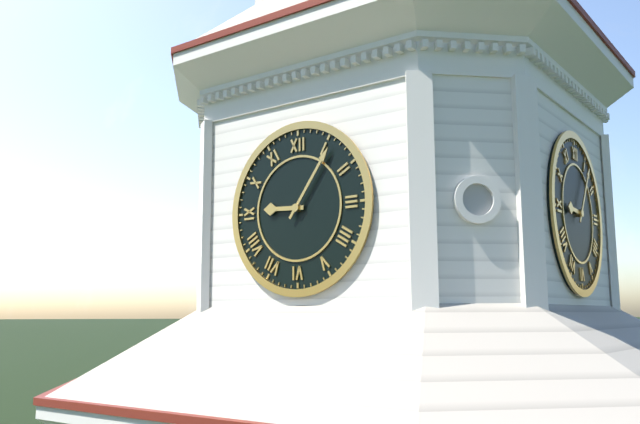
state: 9:06
